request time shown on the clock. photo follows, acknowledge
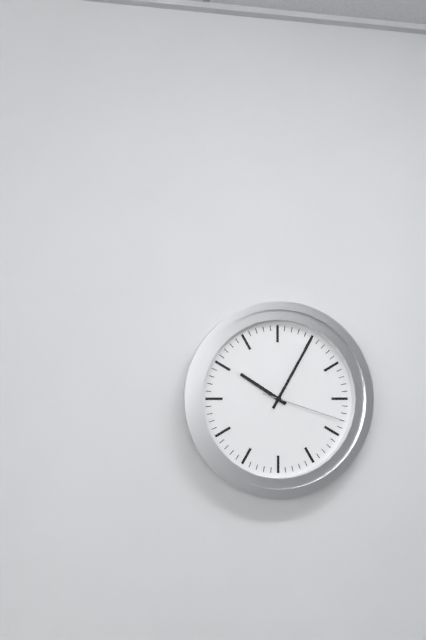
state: 10:05:18
